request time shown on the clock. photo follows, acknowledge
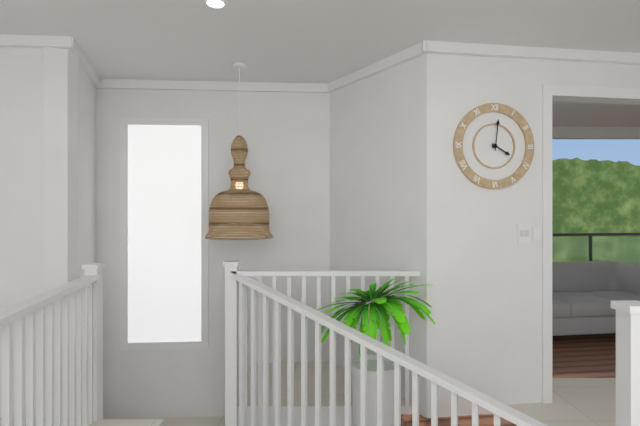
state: 4:01
